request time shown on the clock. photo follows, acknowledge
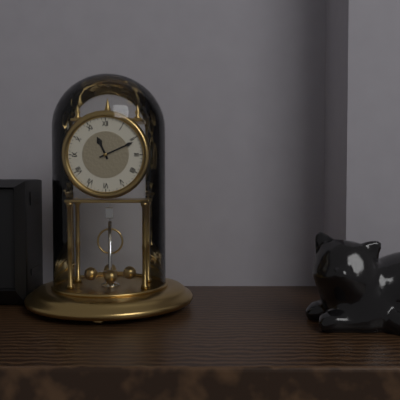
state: 11:11
